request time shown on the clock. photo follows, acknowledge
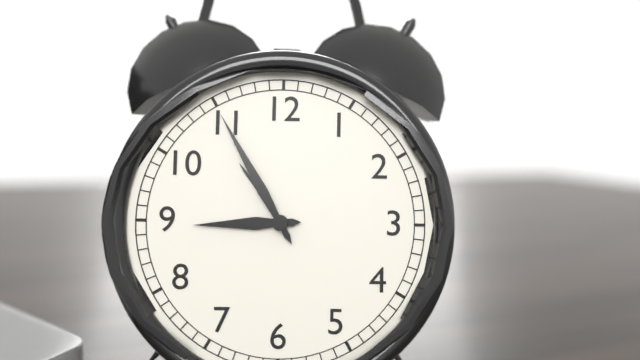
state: 8:55
